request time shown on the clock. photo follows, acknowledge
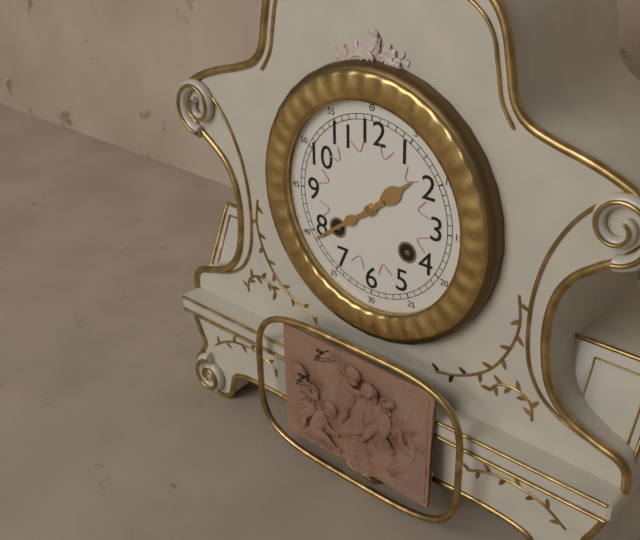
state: 1:39
